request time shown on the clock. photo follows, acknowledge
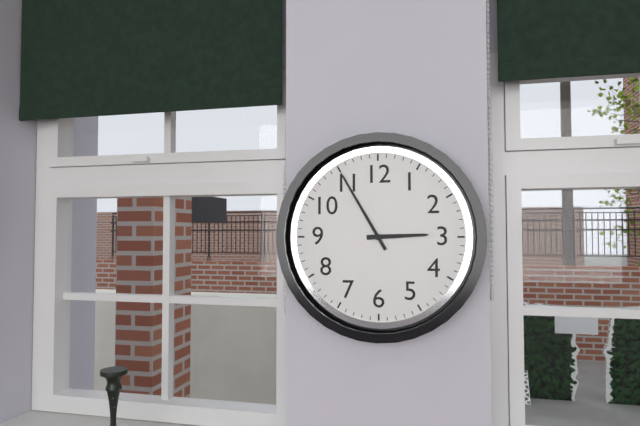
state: 2:55
